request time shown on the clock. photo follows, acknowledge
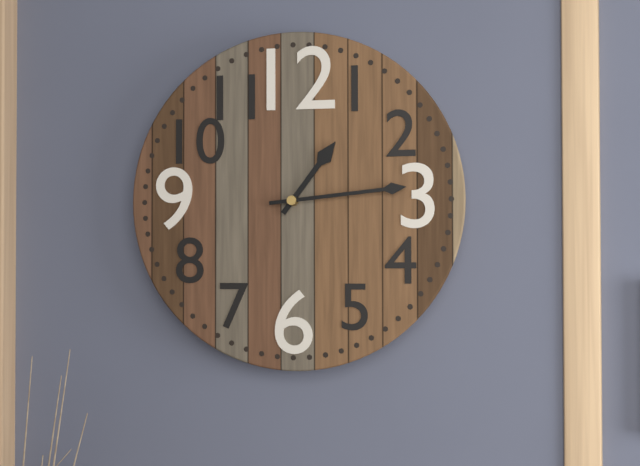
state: 1:14
